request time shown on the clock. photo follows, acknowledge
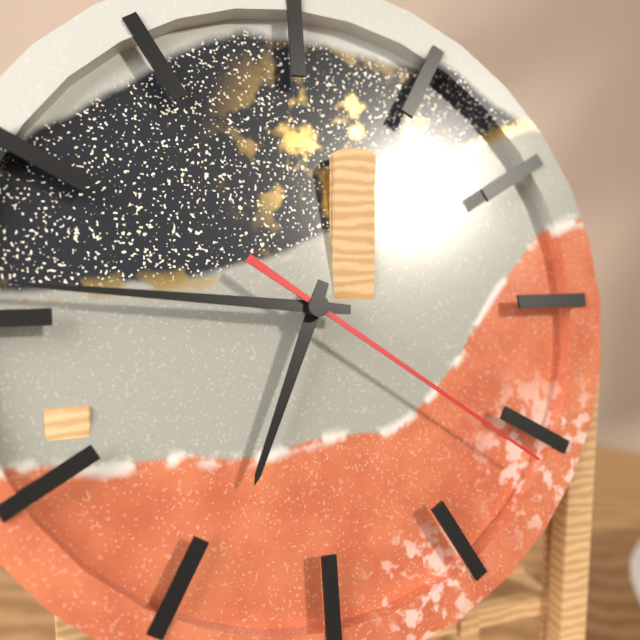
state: 6:46:21
